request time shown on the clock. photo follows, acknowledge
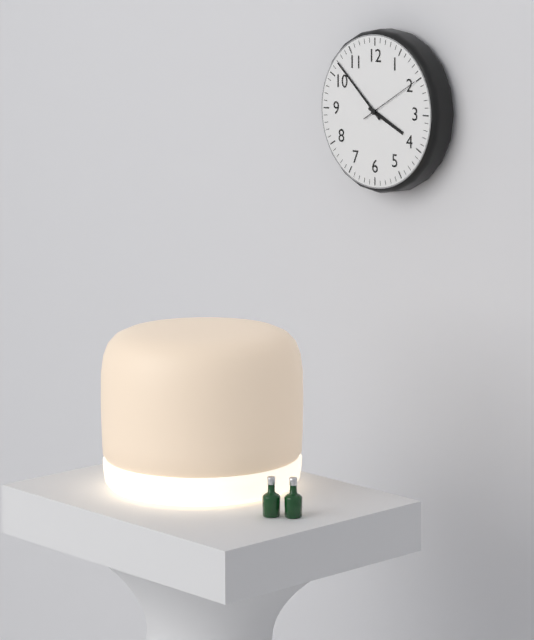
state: 3:52:10
